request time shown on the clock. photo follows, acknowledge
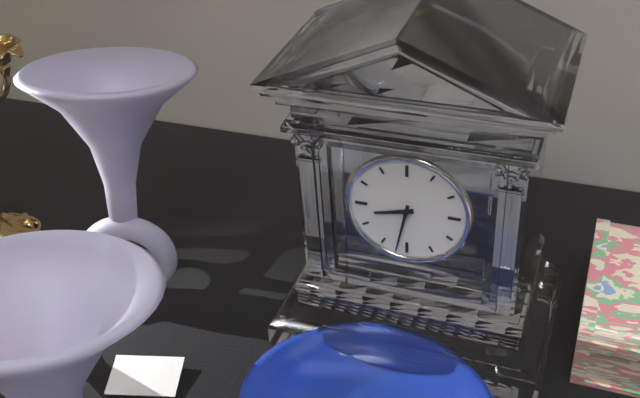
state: 8:32
